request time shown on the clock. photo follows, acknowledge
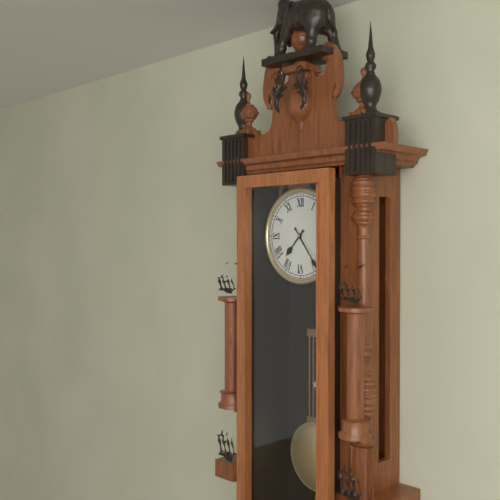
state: 7:24
